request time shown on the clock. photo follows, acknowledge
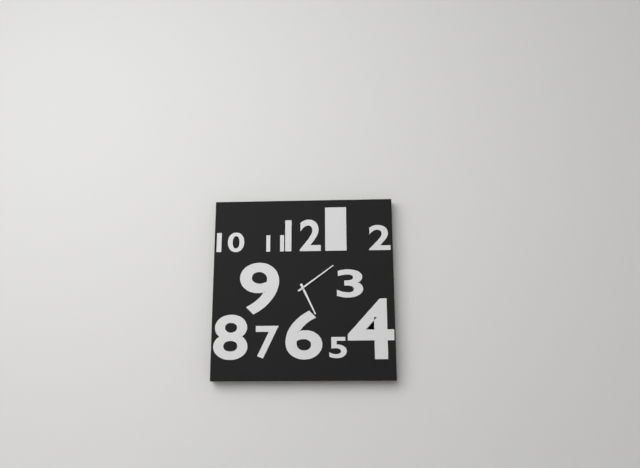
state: 5:09
